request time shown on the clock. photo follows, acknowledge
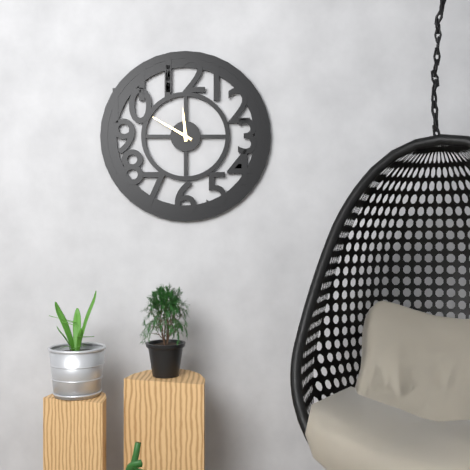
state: 11:50
